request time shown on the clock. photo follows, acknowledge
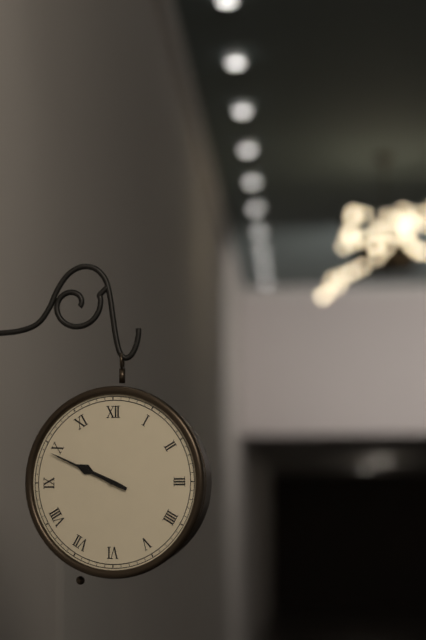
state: 9:49
